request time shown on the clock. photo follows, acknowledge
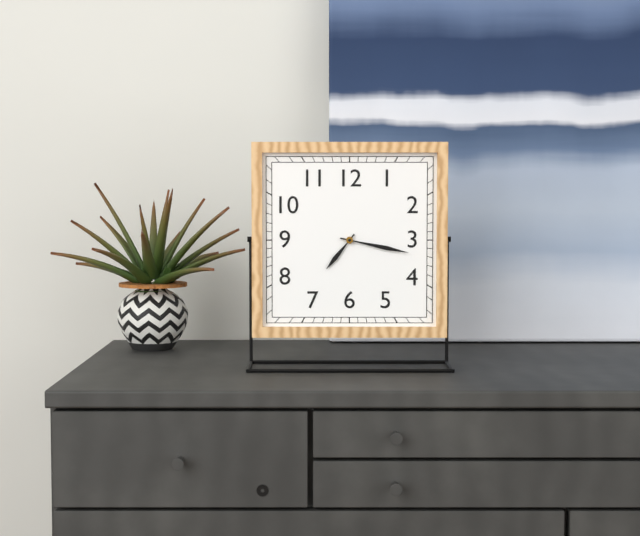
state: 7:17
